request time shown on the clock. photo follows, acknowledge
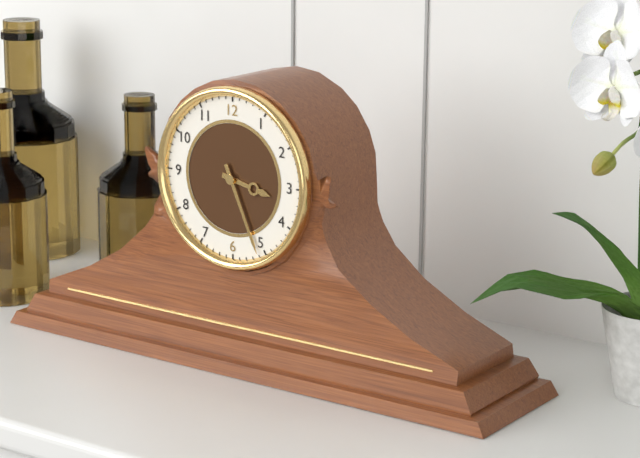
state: 3:26
